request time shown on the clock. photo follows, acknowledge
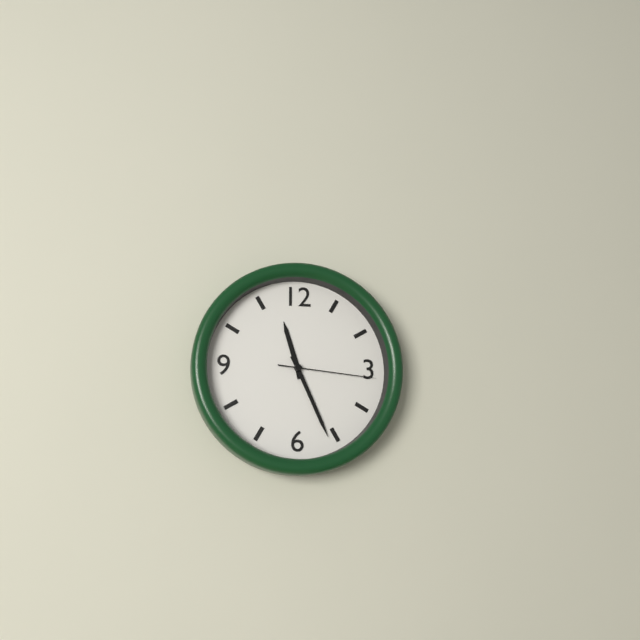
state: 11:26:16
